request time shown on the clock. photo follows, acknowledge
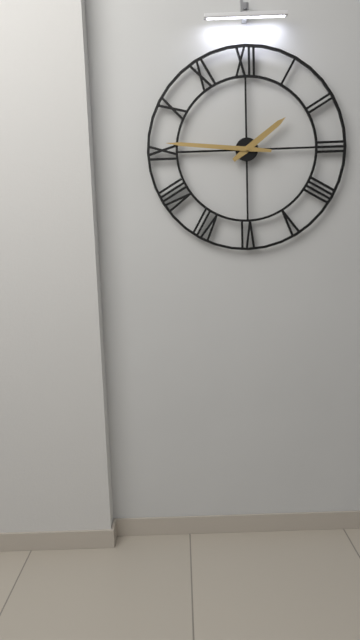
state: 1:46
